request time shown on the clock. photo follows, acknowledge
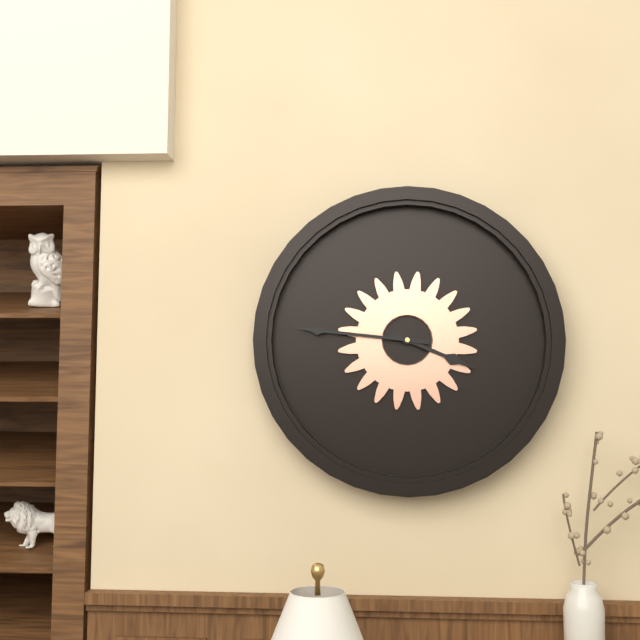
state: 3:46
